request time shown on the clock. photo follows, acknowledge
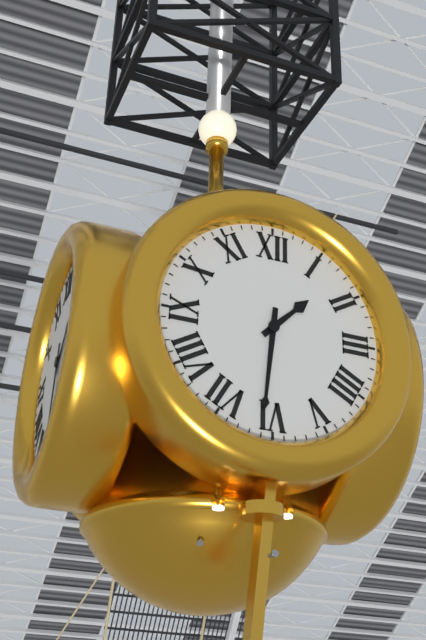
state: 1:31
